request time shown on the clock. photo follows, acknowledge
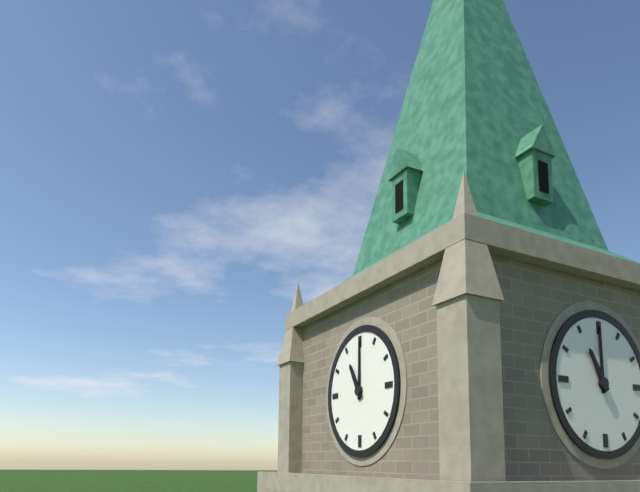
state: 11:00
